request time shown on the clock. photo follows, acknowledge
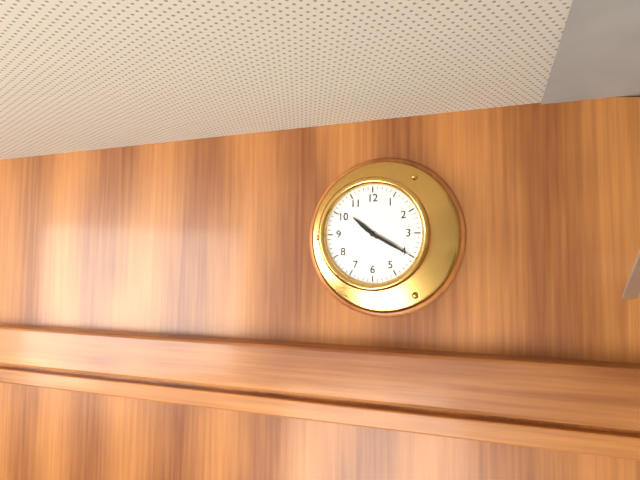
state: 10:20
